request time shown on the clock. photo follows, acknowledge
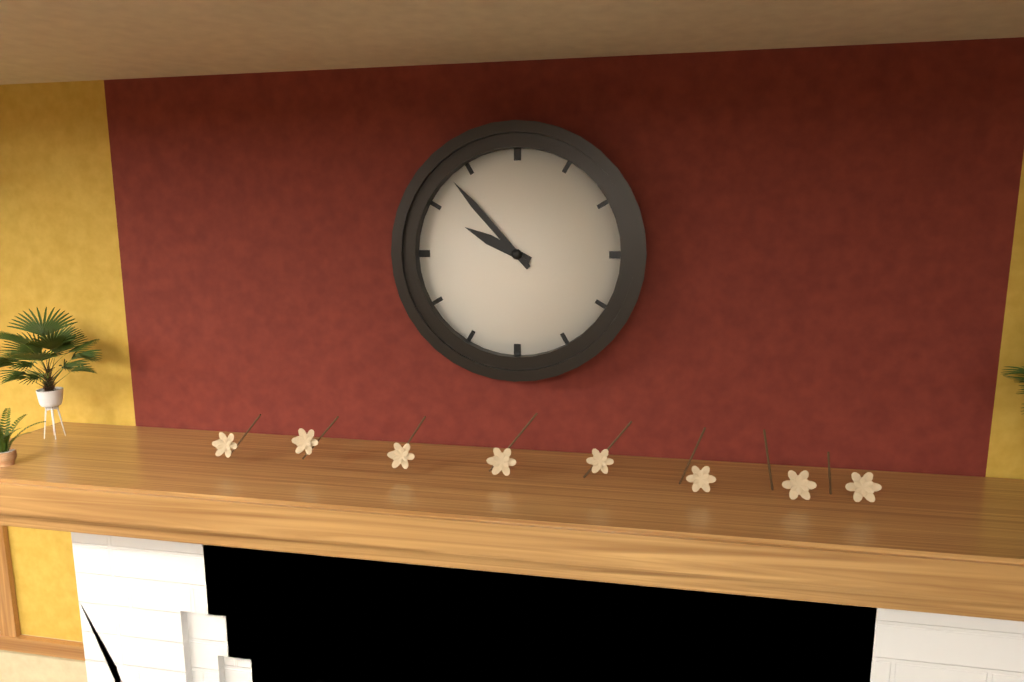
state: 9:53
